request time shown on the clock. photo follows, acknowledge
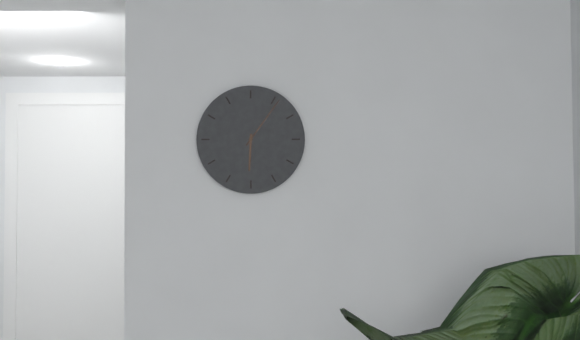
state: 6:06
